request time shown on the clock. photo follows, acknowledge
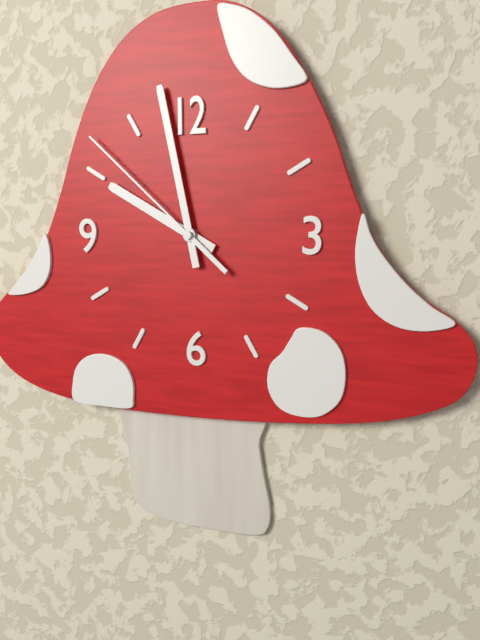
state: 9:58:52
